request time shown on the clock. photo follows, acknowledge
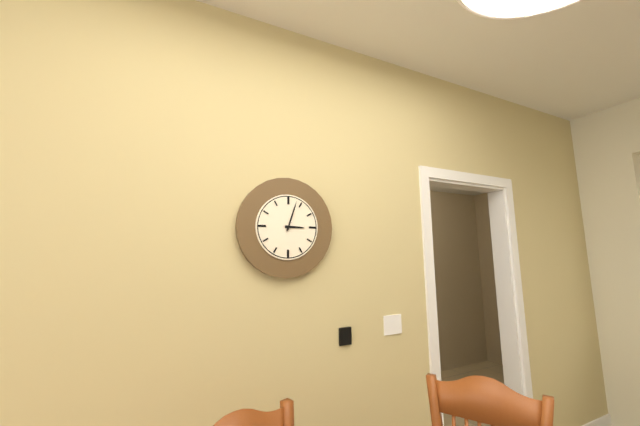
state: 3:03
